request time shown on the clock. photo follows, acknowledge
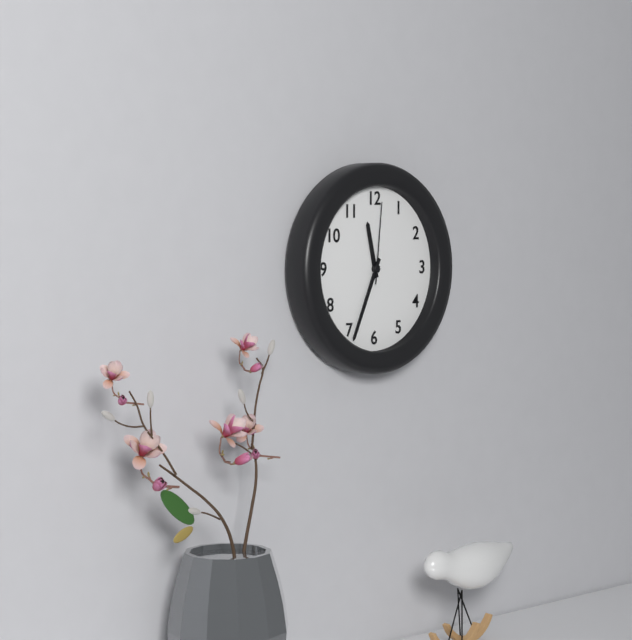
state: 11:34:01
